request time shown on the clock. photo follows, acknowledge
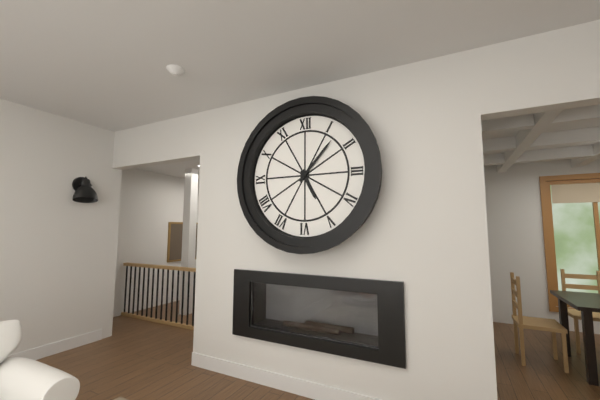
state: 5:07
